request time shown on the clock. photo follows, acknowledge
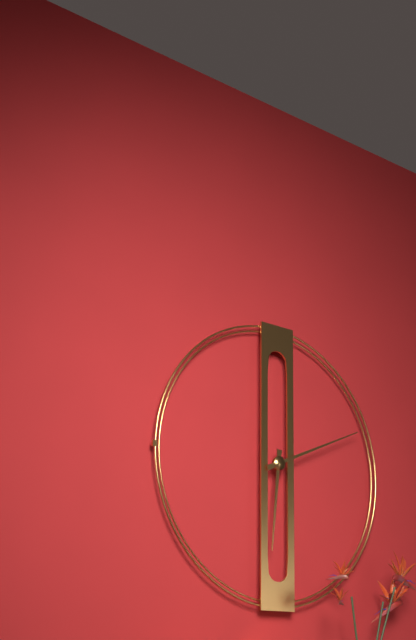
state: 6:11
